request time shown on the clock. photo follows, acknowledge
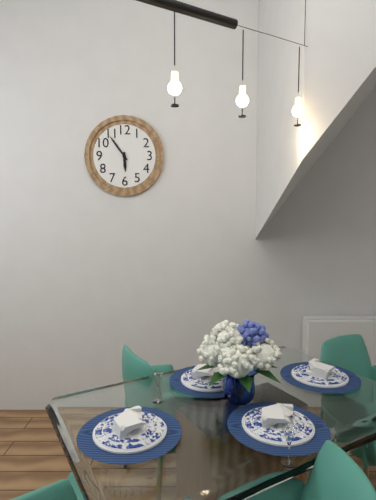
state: 5:54
